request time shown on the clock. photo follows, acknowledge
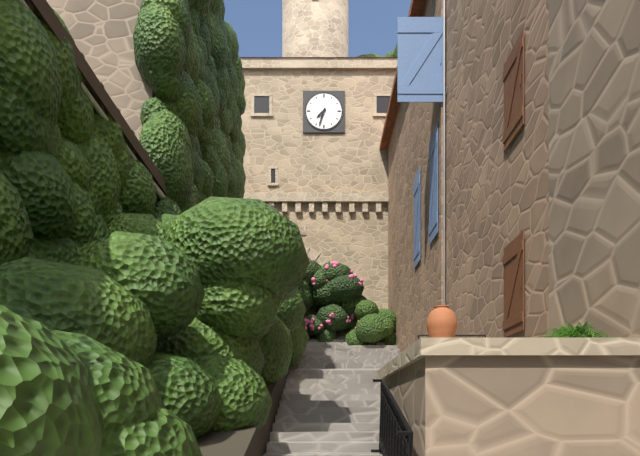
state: 7:33
